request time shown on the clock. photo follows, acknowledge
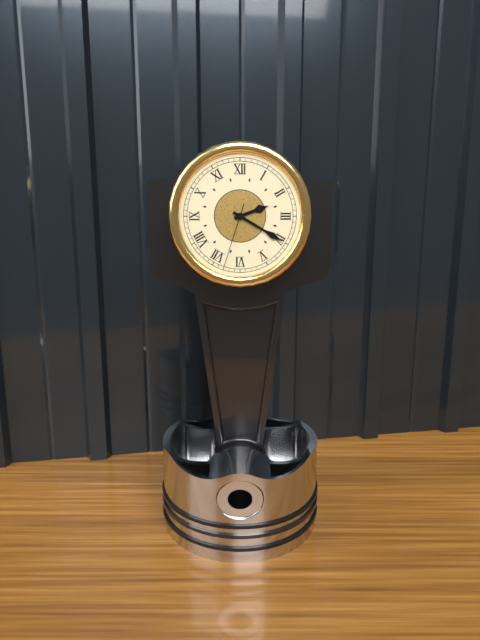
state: 2:20:33
